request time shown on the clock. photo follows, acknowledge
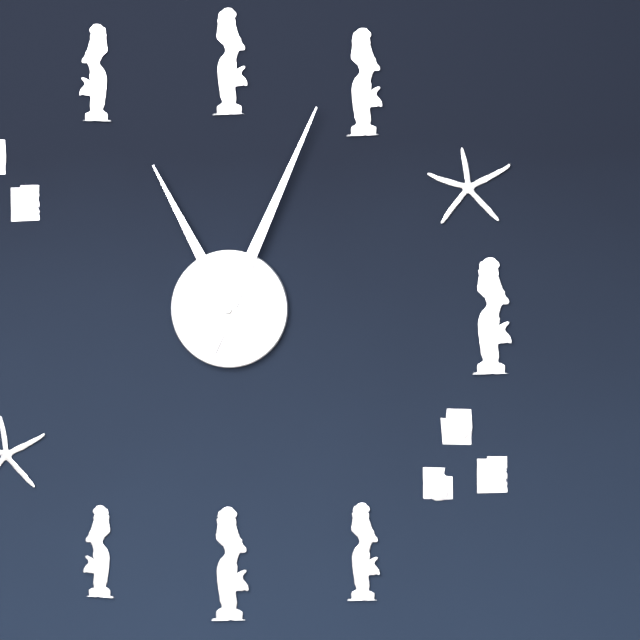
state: 11:04
